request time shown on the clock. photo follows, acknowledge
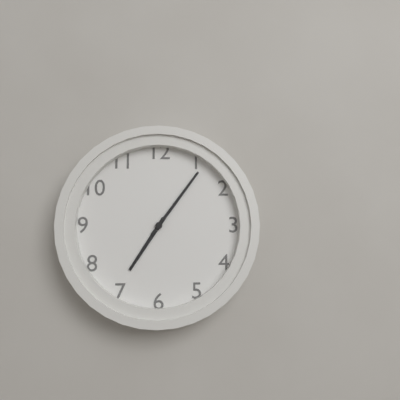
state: 7:06
